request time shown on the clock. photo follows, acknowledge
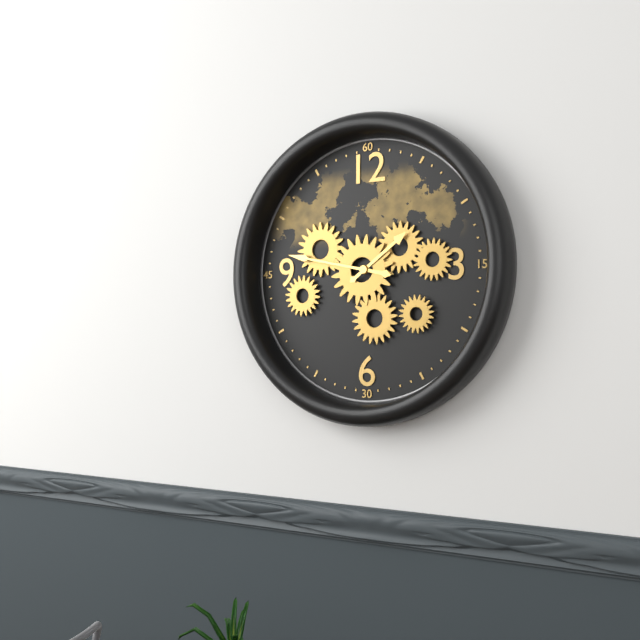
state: 1:47
